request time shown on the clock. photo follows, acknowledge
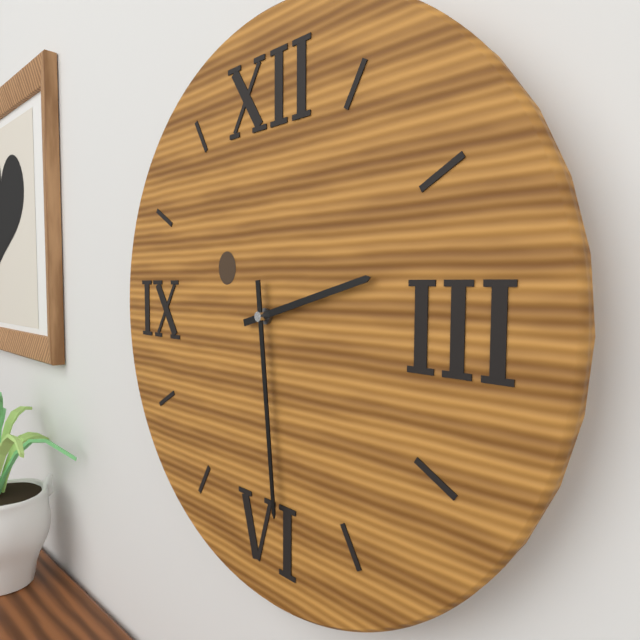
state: 2:29
